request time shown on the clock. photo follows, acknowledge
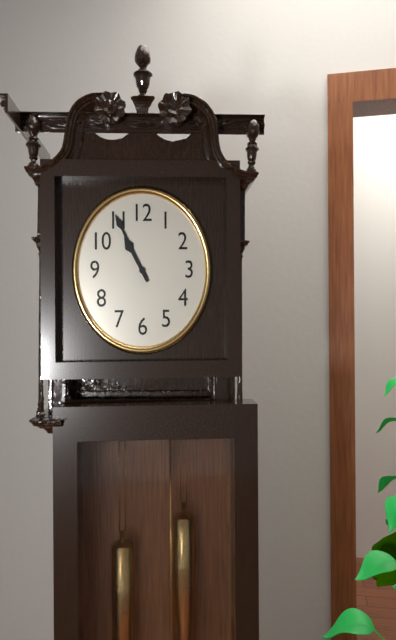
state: 10:55
